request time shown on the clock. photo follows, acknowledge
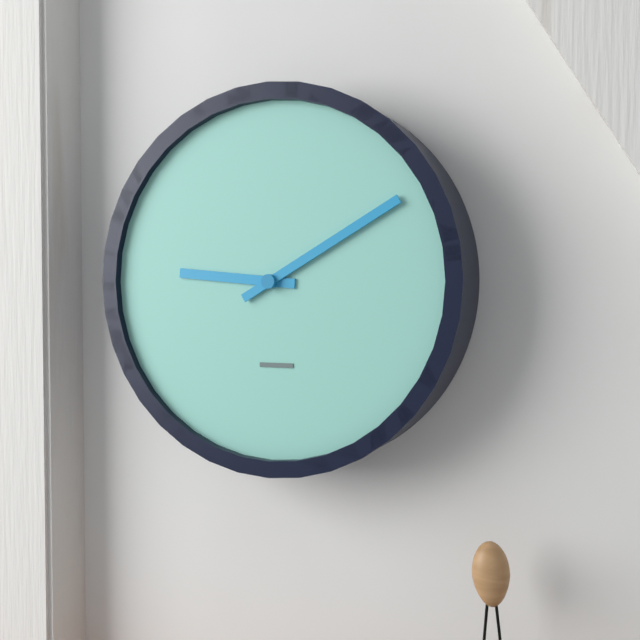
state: 9:10
